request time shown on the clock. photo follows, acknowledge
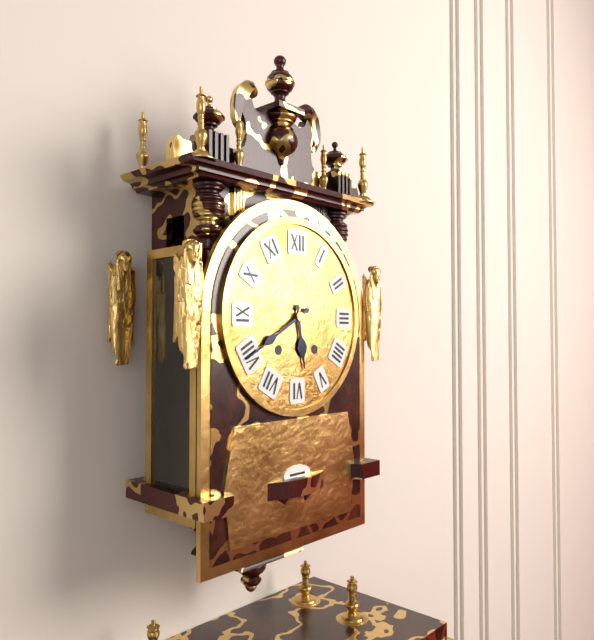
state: 5:40
